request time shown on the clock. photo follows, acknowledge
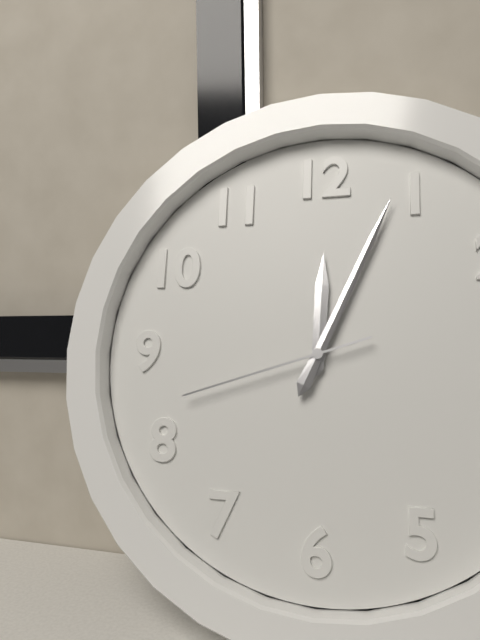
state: 12:04:42
